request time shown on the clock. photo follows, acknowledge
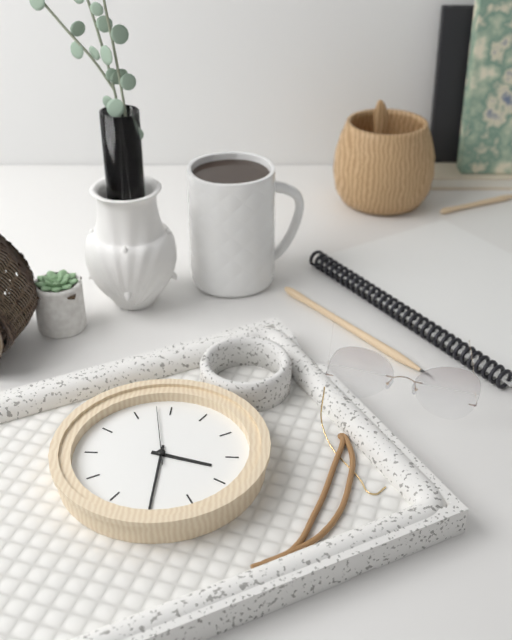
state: 3:30:58
